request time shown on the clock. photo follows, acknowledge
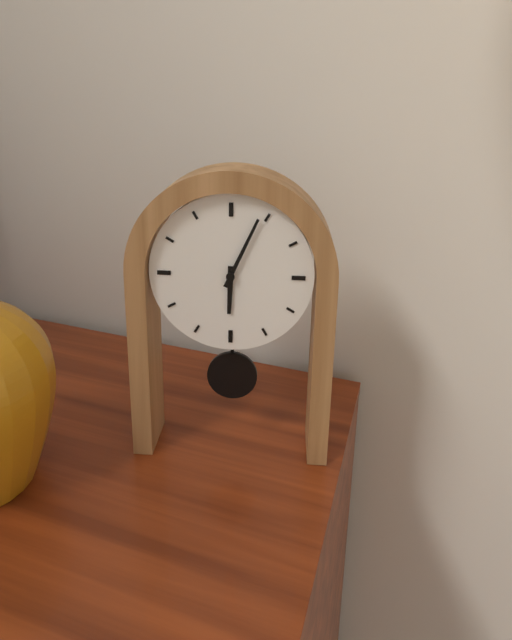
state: 6:04
